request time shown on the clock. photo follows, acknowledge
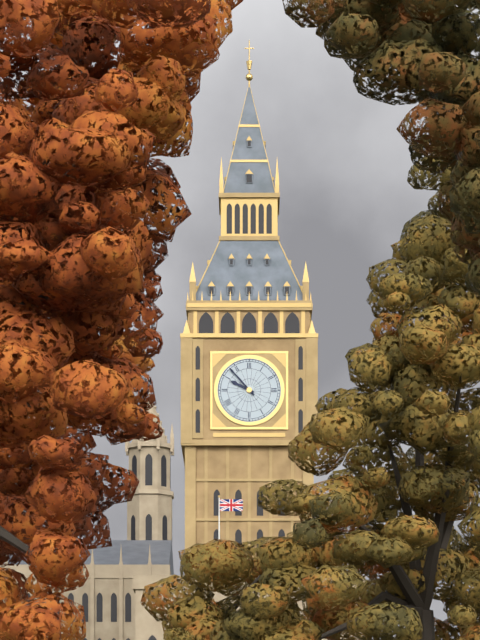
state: 9:53
